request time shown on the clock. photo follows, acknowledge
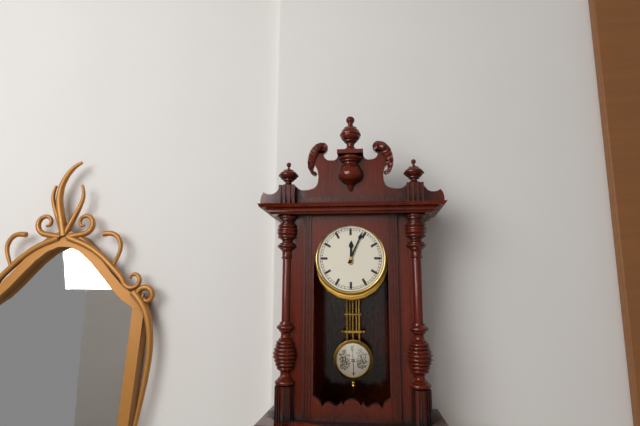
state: 12:04
